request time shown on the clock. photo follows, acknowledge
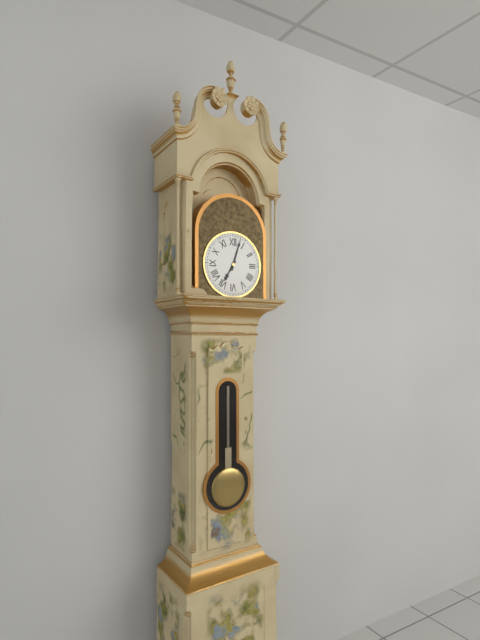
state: 7:03
